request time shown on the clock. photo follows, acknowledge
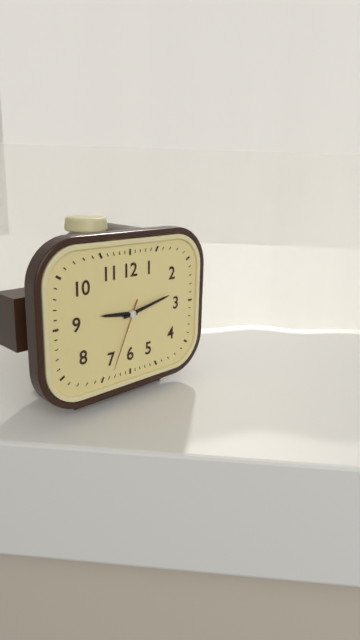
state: 9:13:34
